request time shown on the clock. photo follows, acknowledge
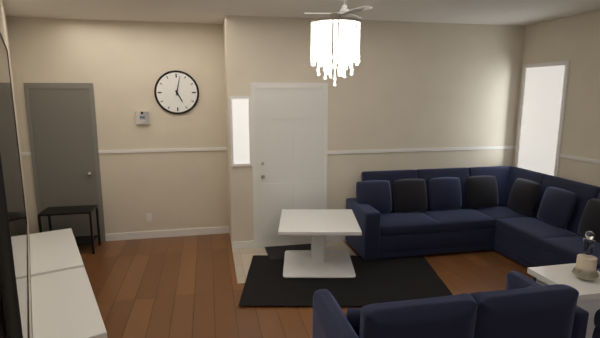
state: 5:02
